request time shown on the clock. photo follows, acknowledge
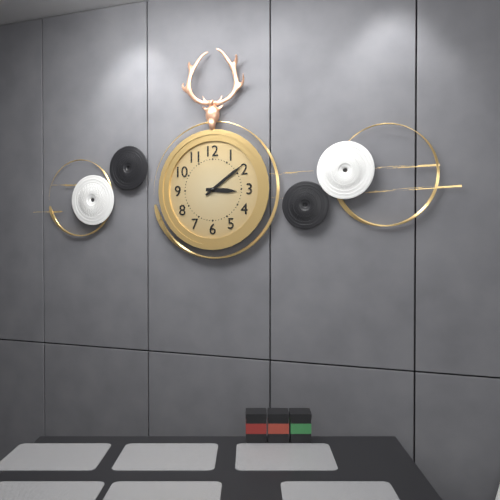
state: 3:09
